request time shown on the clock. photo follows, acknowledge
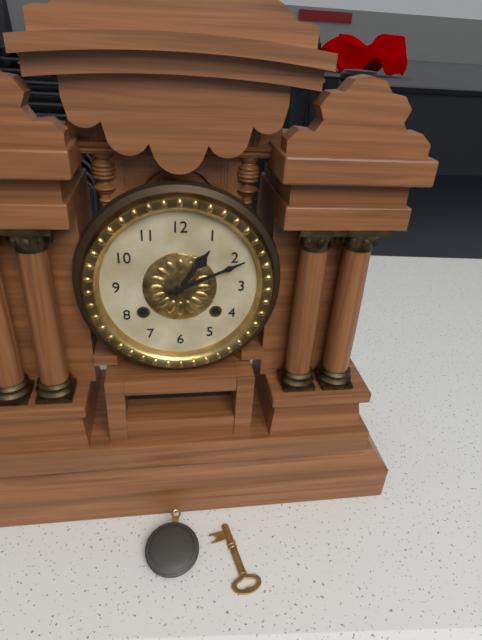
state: 1:11
